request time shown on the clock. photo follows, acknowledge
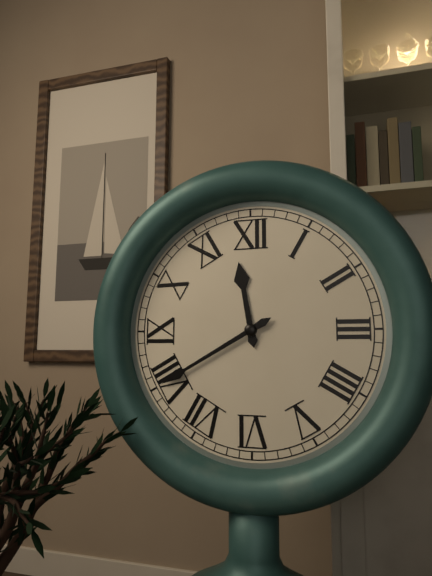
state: 11:40
